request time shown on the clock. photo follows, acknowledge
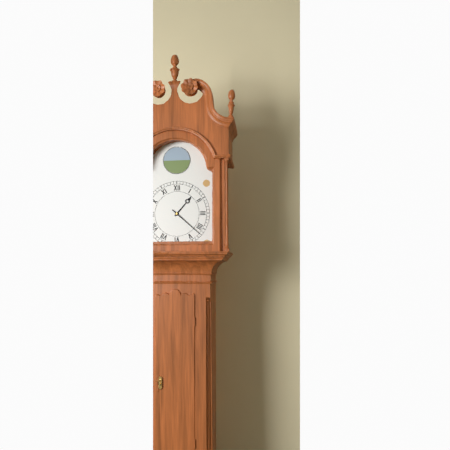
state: 1:22
